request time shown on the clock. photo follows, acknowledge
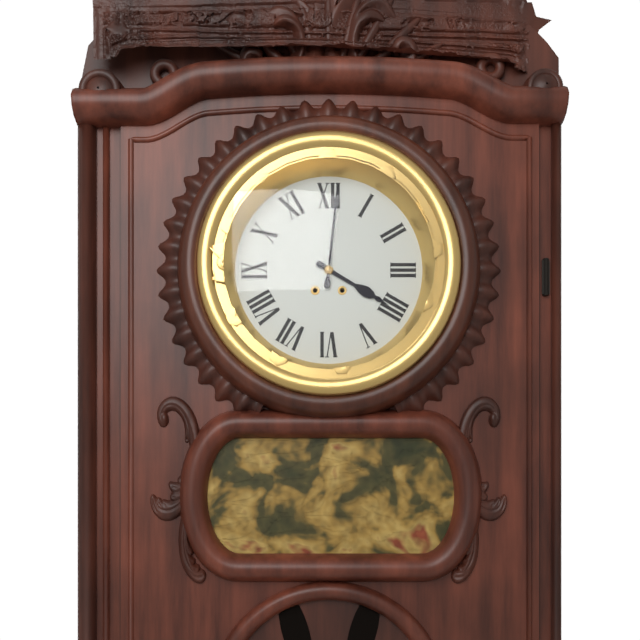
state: 4:01
